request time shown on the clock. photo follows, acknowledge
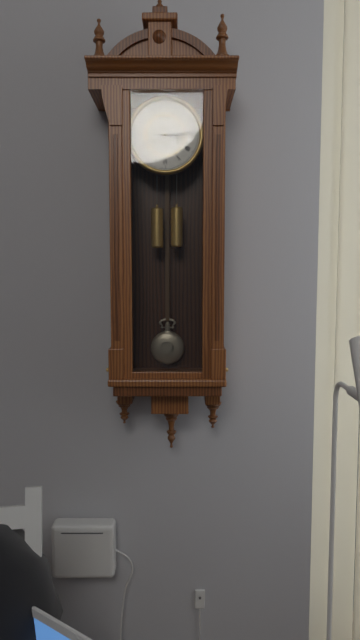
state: 3:14
